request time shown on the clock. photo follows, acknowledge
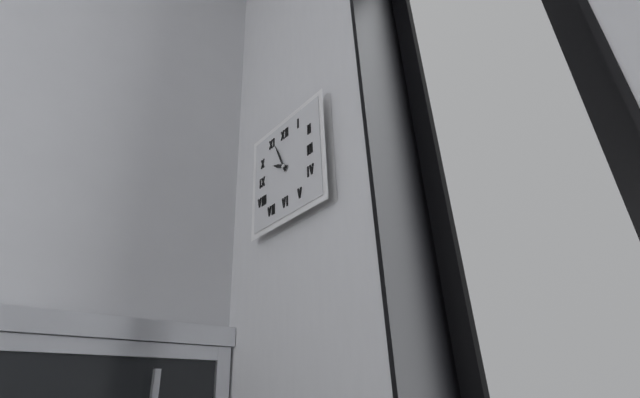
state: 9:56
